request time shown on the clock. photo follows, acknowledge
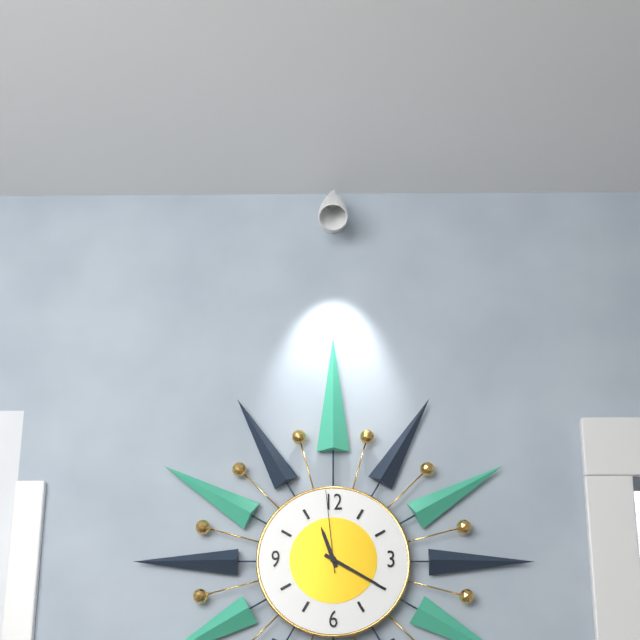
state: 11:20:59
